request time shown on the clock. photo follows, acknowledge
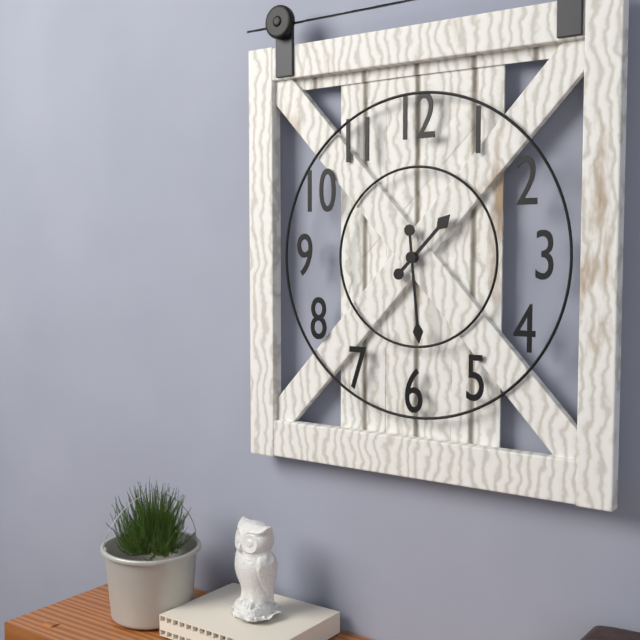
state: 1:29
